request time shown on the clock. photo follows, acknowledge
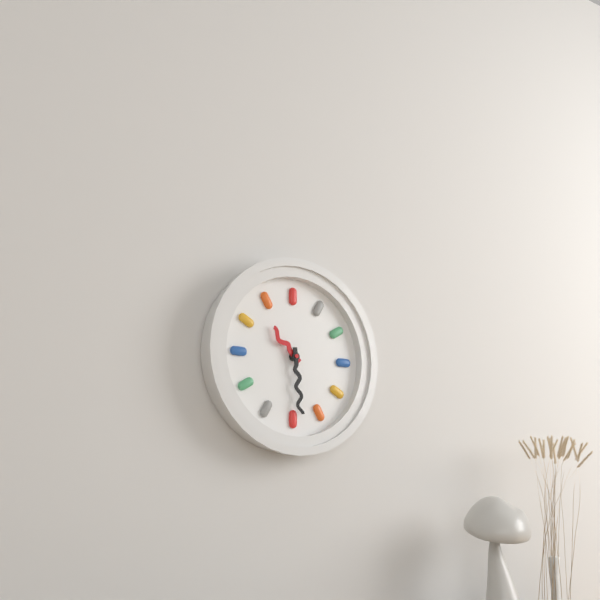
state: 10:29
